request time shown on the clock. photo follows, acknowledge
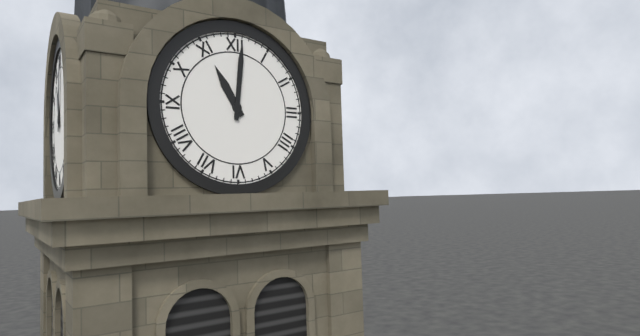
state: 11:01
